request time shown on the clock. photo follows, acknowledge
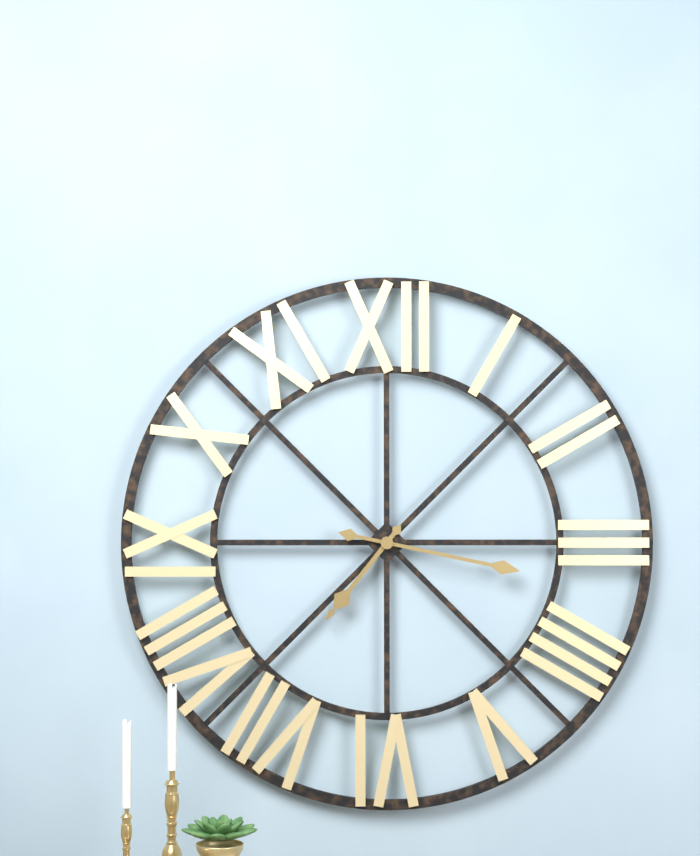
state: 7:17
